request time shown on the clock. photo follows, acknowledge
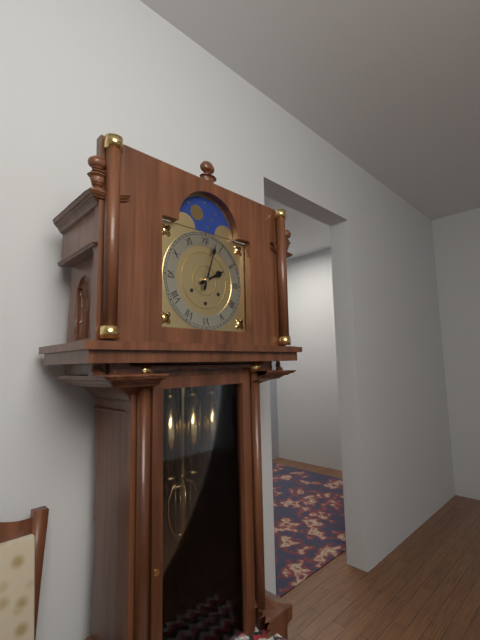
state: 2:03
